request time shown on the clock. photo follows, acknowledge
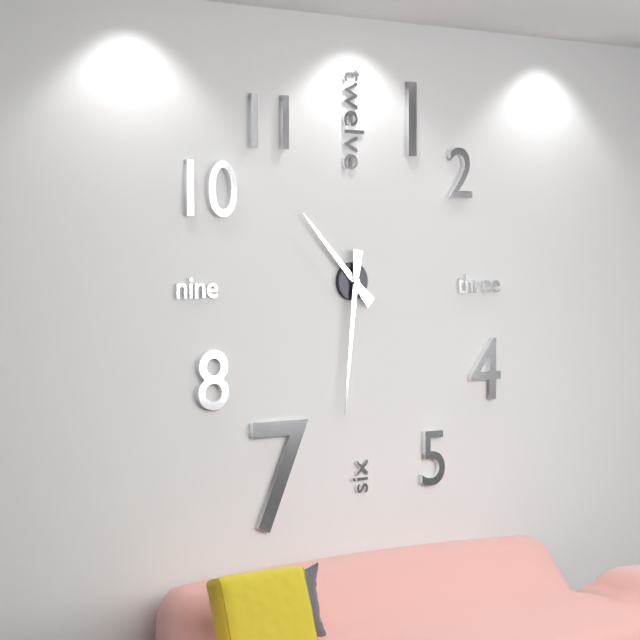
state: 10:31
